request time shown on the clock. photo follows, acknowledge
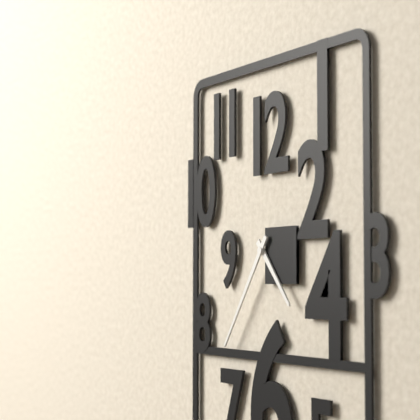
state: 4:36
